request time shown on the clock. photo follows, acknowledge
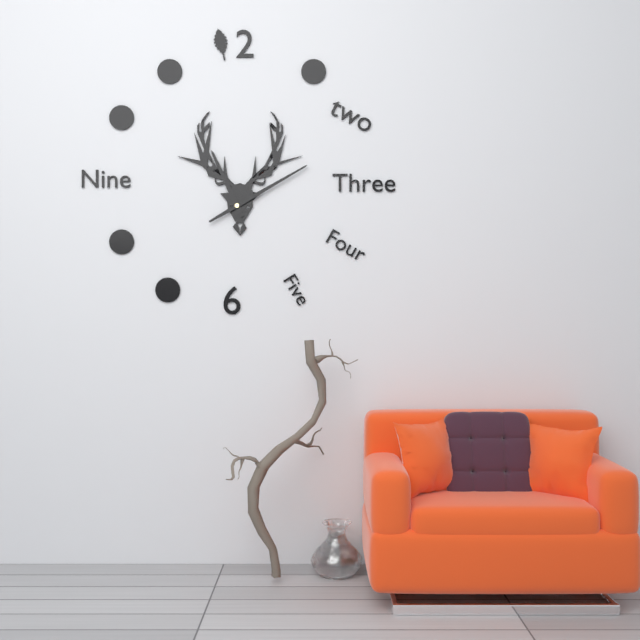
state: 11:10
